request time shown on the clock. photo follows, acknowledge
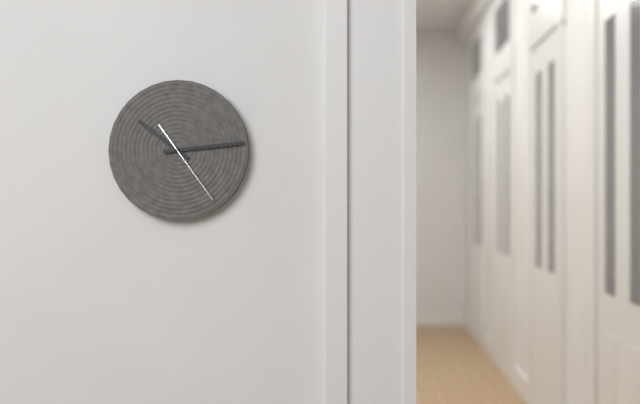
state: 10:14:24
